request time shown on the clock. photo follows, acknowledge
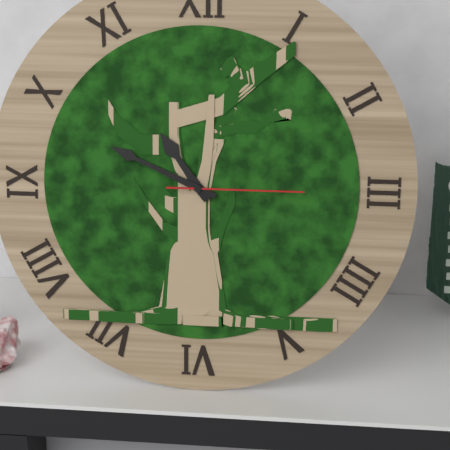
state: 10:49:15
